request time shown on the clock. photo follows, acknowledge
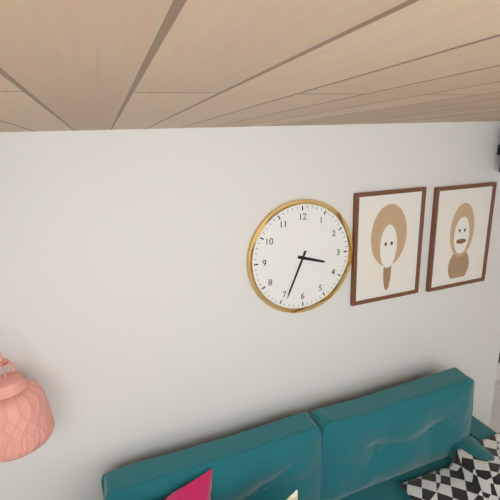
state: 3:34
